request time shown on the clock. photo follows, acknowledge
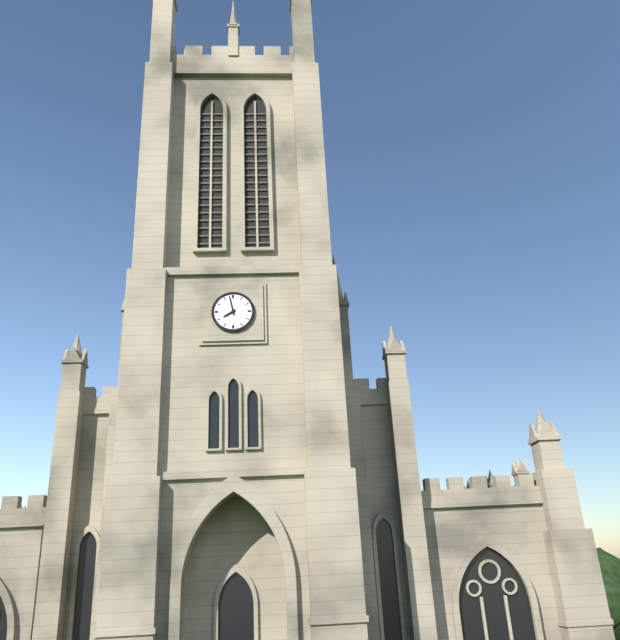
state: 7:58
